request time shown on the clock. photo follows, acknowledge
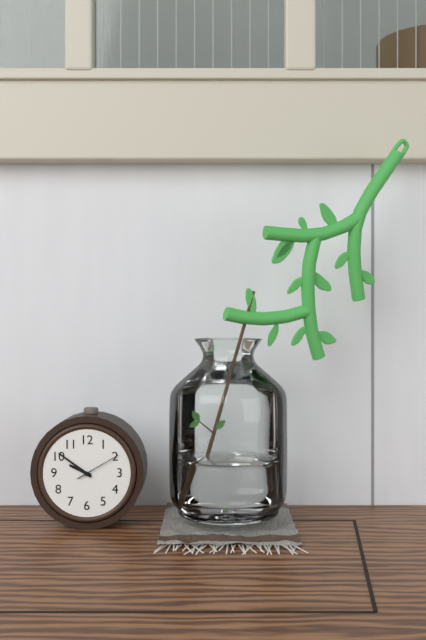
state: 9:51
